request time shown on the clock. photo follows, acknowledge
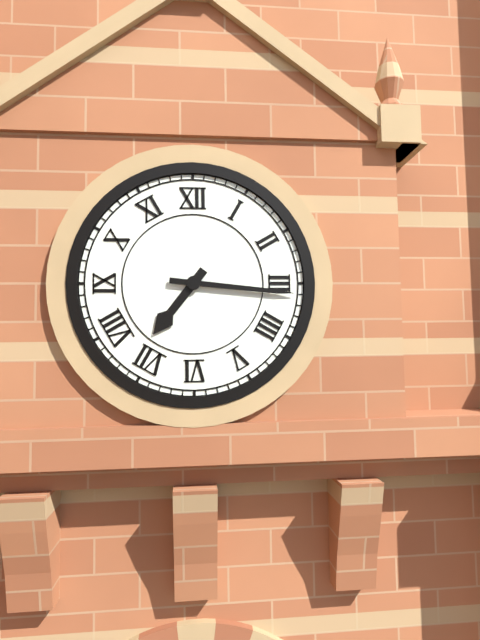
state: 7:16
